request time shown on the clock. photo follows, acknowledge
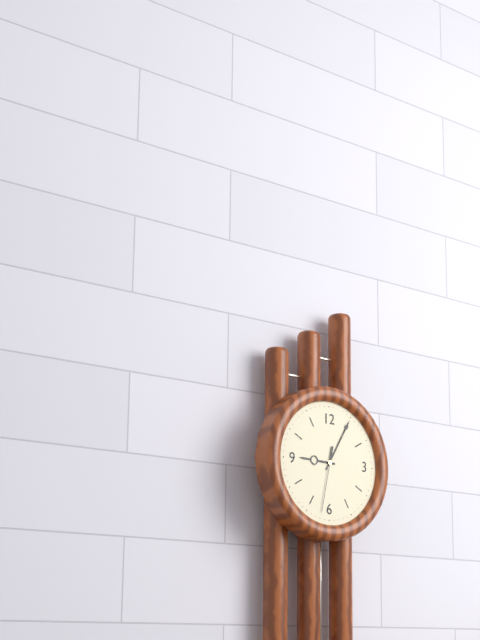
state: 9:05:32
